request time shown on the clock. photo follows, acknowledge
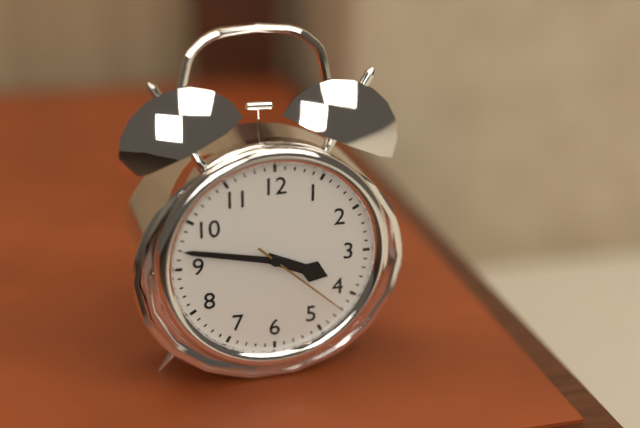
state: 3:47:22
